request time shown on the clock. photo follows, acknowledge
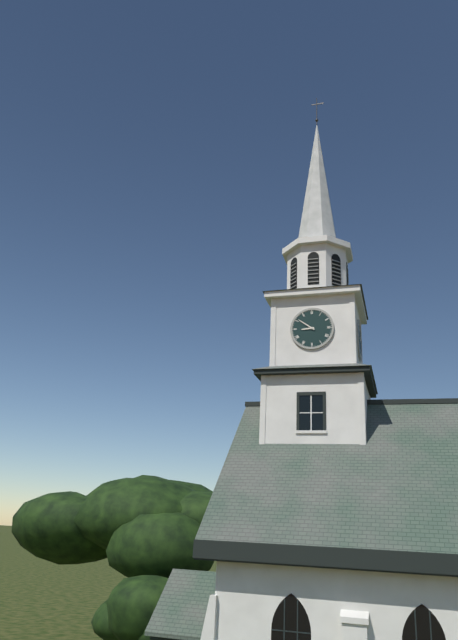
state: 8:51
